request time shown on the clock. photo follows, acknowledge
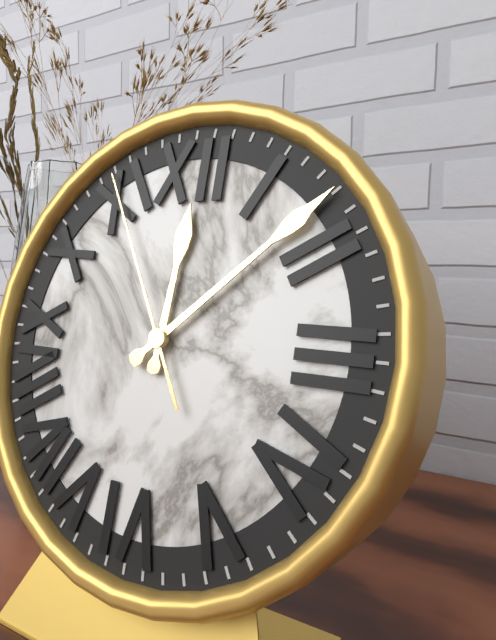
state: 12:08:55
